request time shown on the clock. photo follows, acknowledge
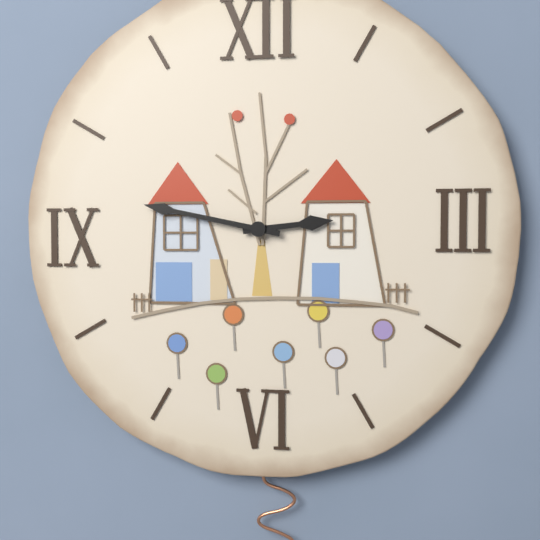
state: 2:47
